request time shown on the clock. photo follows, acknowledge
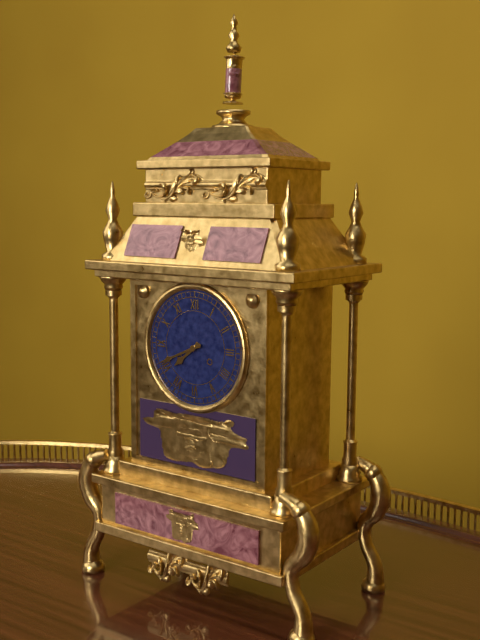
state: 7:41
